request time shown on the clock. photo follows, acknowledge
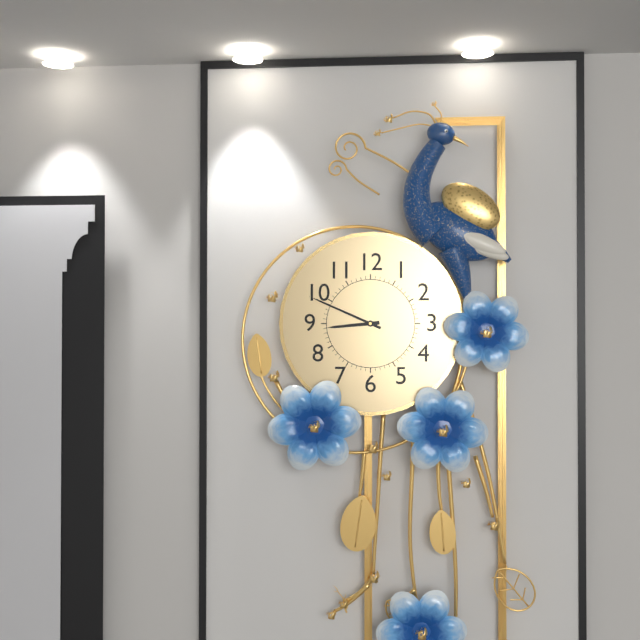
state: 8:49
